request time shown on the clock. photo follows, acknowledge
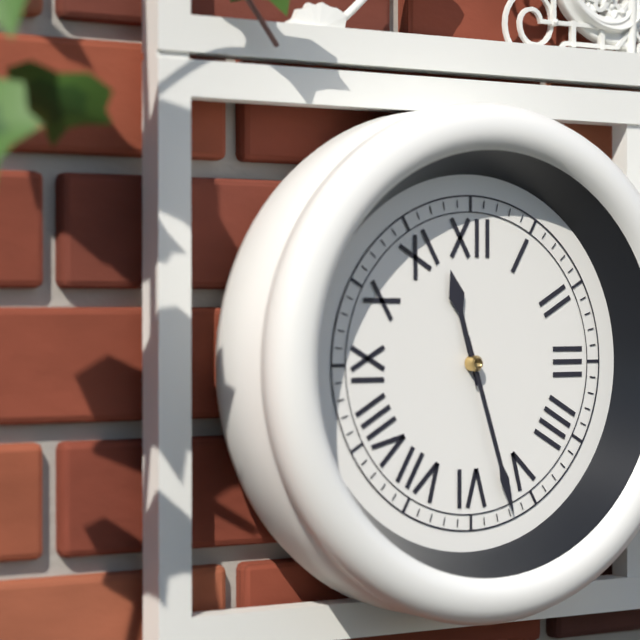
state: 11:27
